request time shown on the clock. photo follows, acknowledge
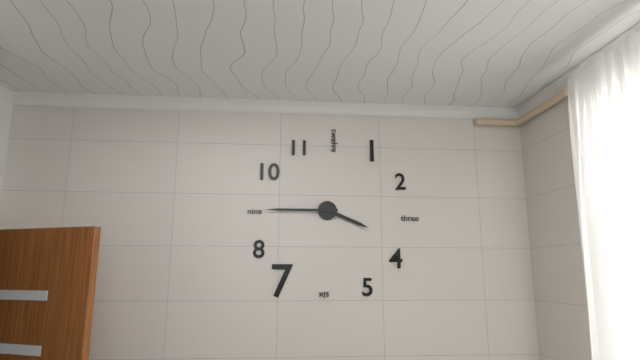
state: 3:45
